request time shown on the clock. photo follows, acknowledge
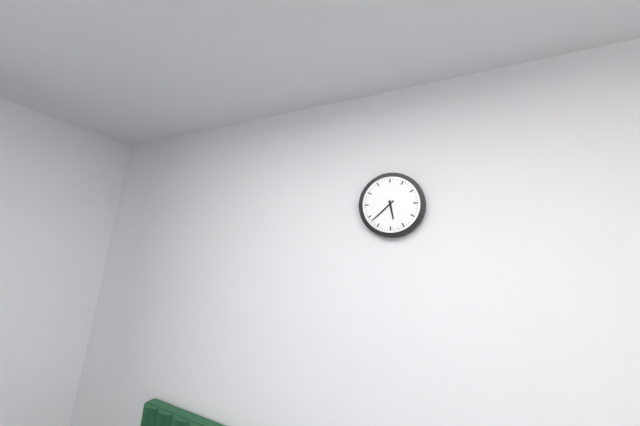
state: 5:38
